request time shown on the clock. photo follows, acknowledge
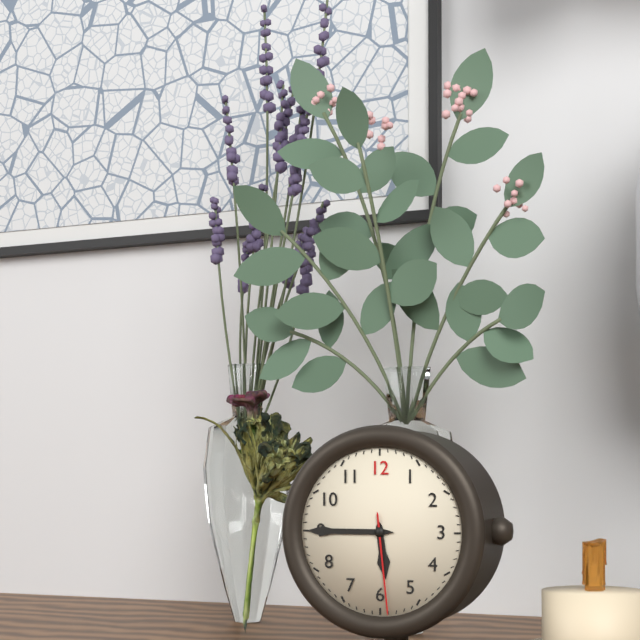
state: 5:45:29
